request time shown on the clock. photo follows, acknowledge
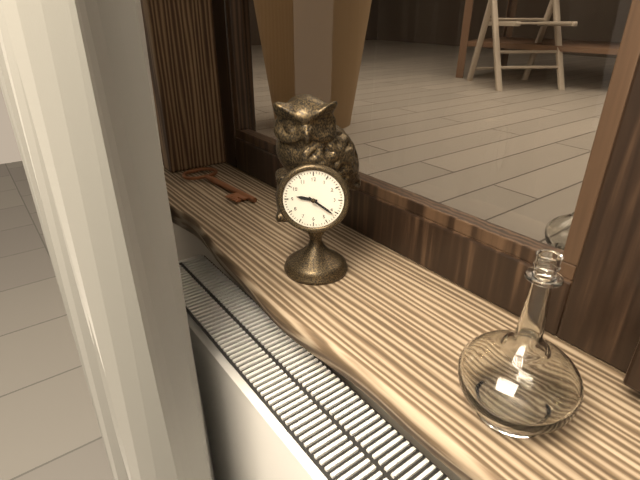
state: 9:21
